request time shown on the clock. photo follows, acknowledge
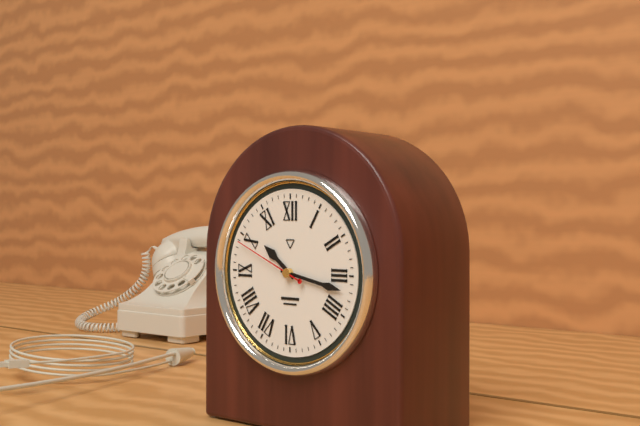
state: 10:17:49
